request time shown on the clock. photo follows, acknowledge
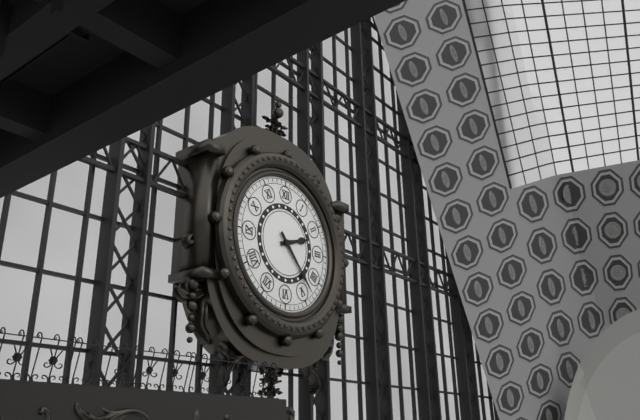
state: 2:23
